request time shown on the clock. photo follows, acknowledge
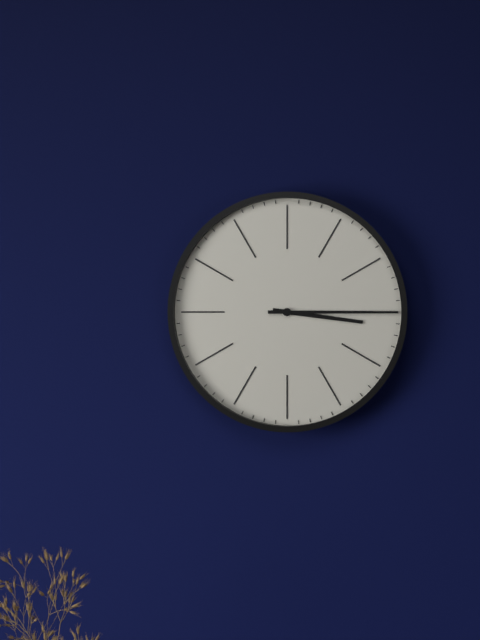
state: 3:15
